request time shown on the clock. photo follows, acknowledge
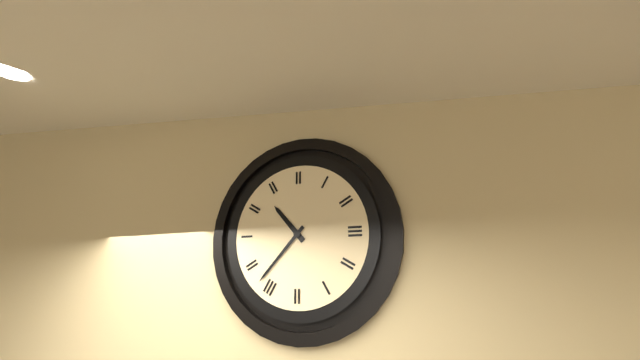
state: 10:37
